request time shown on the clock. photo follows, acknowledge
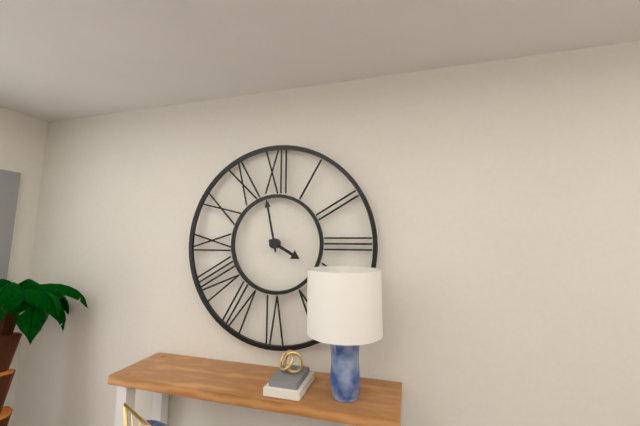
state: 3:58
